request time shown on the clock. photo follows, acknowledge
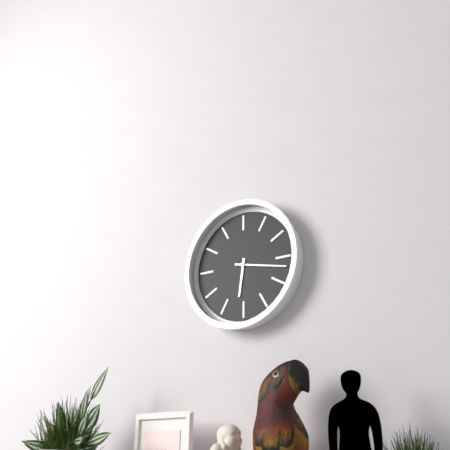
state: 6:17
